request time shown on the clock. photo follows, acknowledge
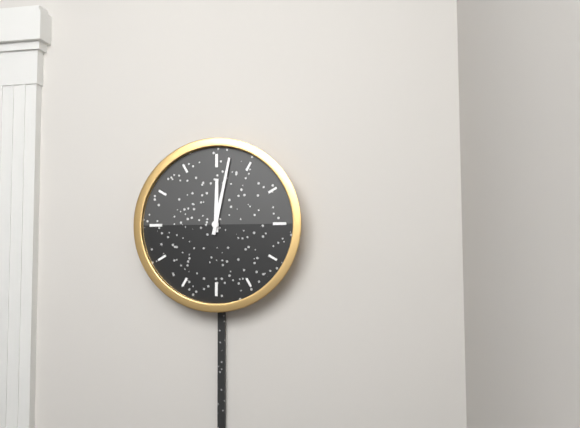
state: 12:02
